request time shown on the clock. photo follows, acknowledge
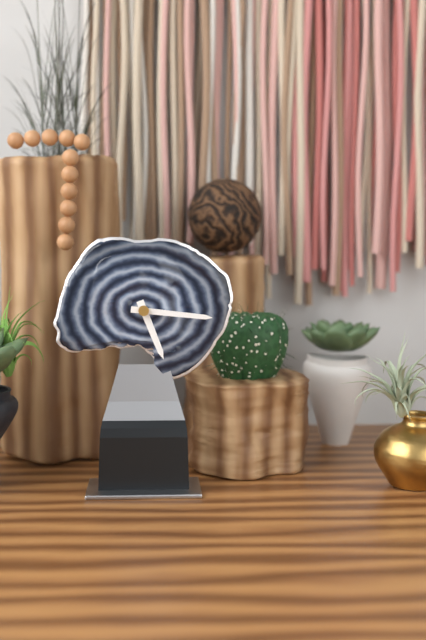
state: 5:16
